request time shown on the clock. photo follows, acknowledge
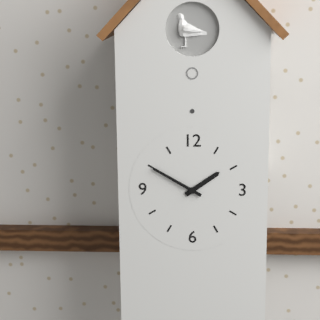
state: 1:50
